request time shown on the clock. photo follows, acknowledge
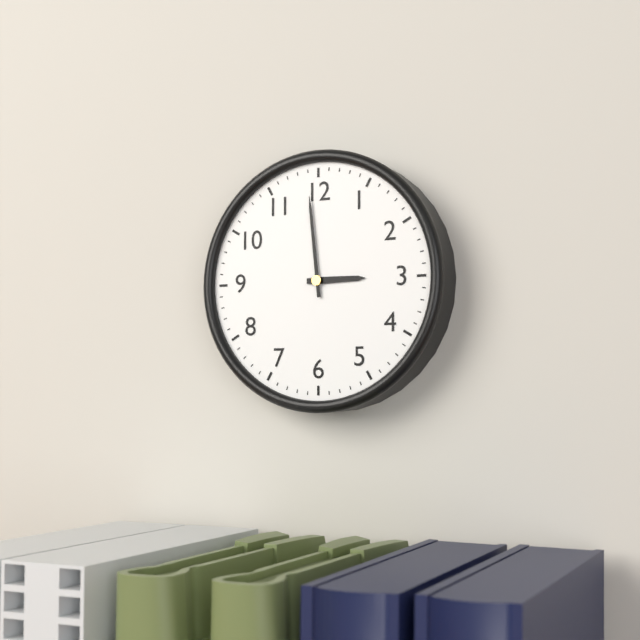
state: 2:59
